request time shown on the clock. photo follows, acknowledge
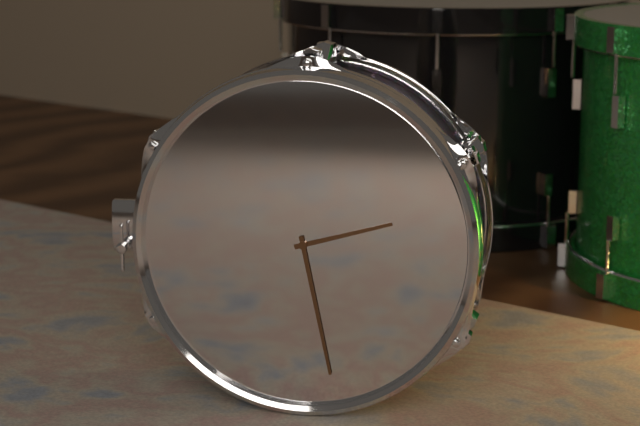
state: 2:28
